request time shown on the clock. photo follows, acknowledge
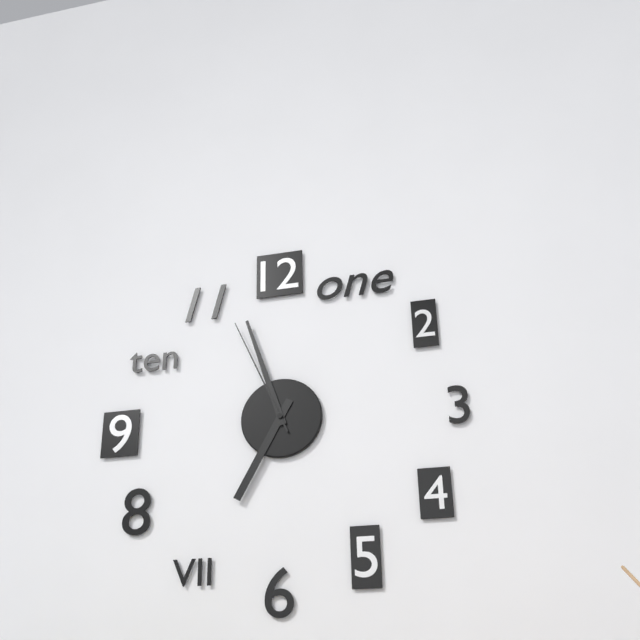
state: 6:57:56
